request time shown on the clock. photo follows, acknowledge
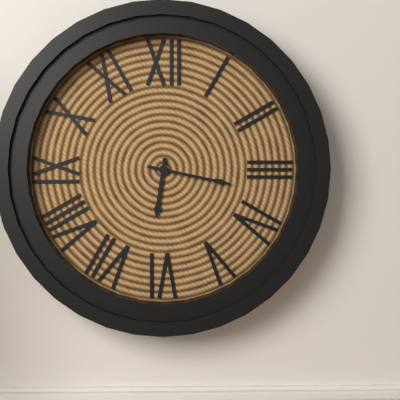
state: 6:17
